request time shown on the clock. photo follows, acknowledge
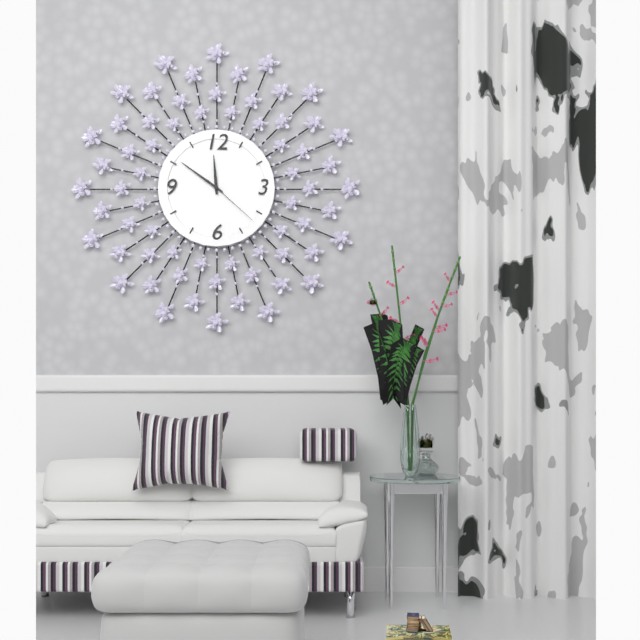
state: 11:51:22
